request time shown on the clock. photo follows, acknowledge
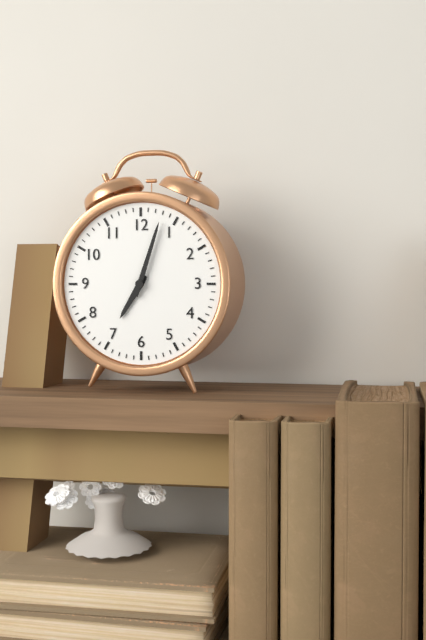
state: 7:03
